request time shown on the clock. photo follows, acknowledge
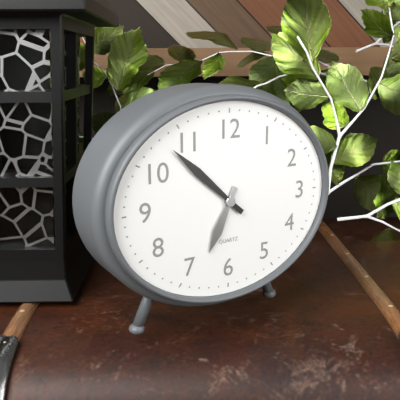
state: 6:52
